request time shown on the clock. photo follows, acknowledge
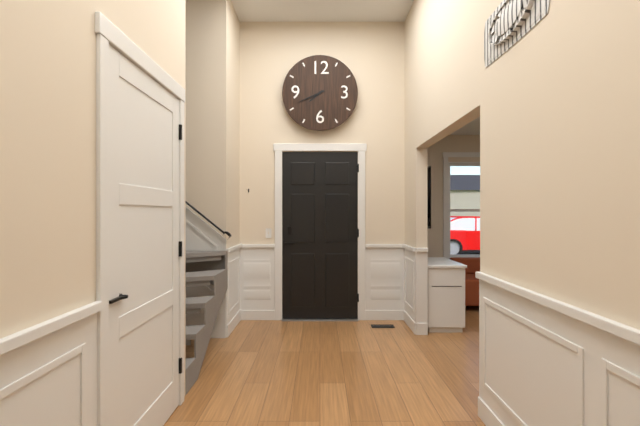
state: 7:41
